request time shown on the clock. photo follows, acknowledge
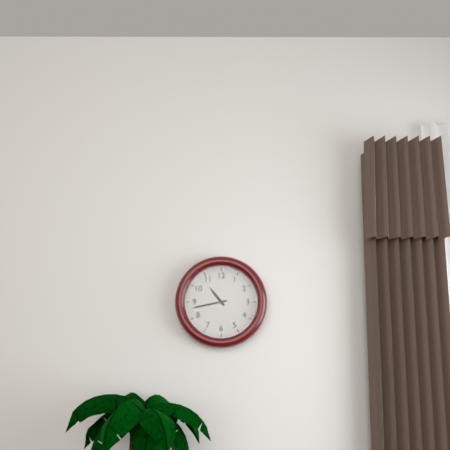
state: 10:43
